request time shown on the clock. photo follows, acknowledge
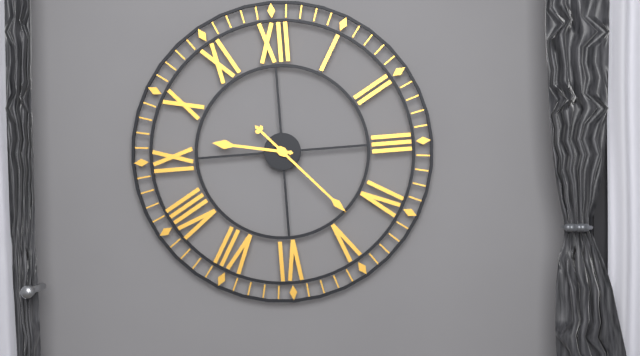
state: 9:23
